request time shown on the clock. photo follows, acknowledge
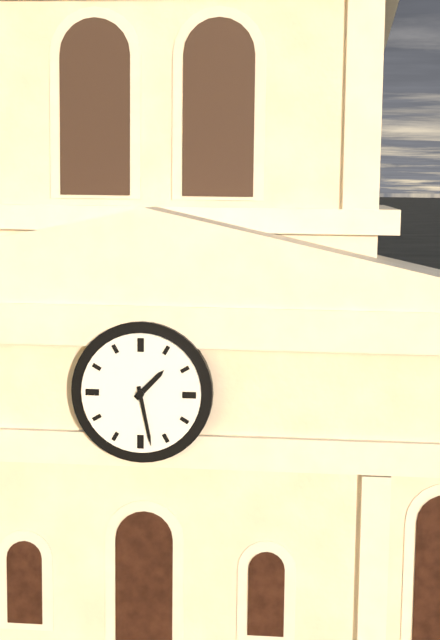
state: 1:28
